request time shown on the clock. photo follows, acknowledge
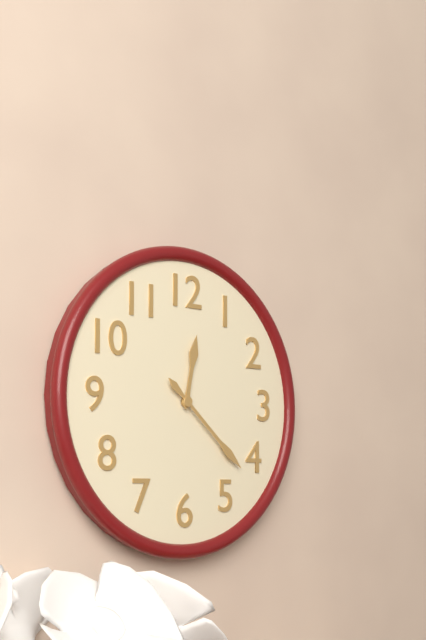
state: 12:22
